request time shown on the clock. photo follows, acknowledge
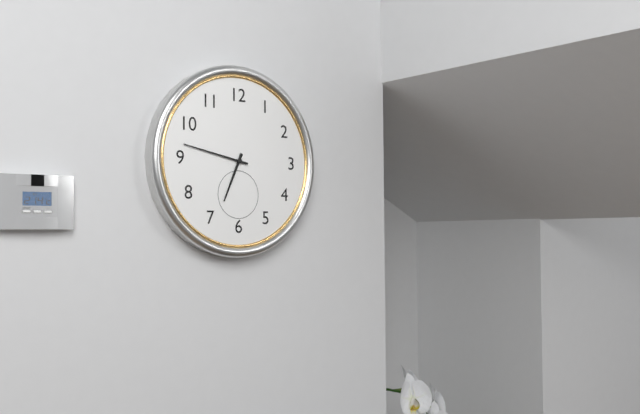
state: 6:47
